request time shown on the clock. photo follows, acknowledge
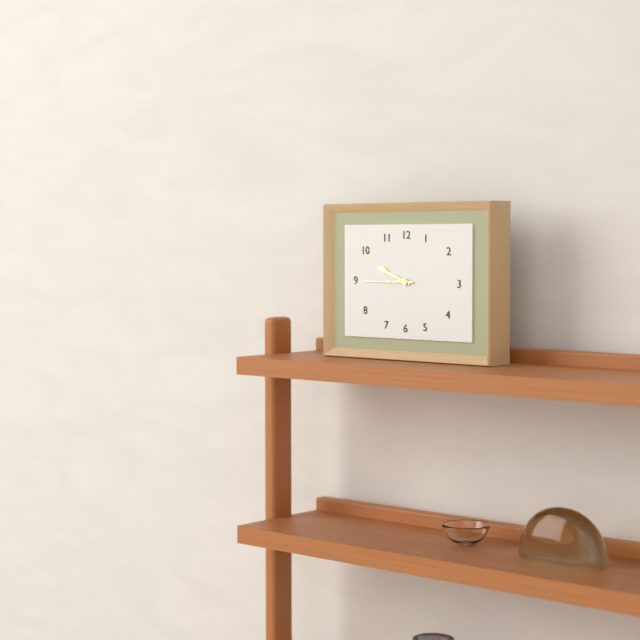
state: 9:45
